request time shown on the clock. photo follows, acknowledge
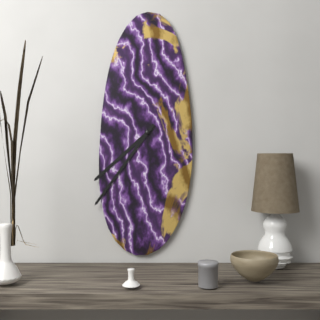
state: 7:36
